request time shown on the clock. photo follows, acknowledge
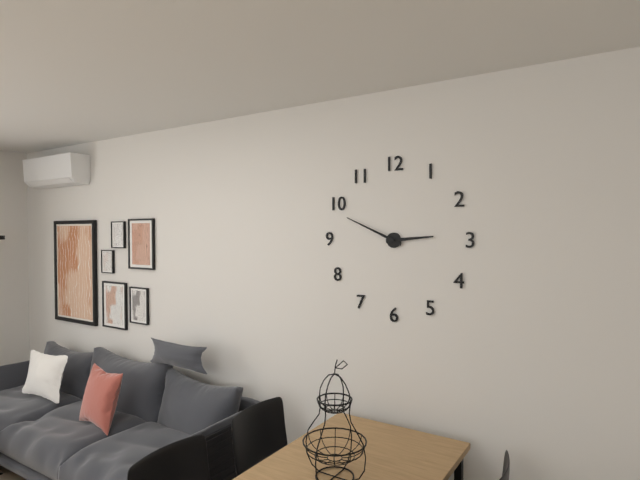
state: 2:49
